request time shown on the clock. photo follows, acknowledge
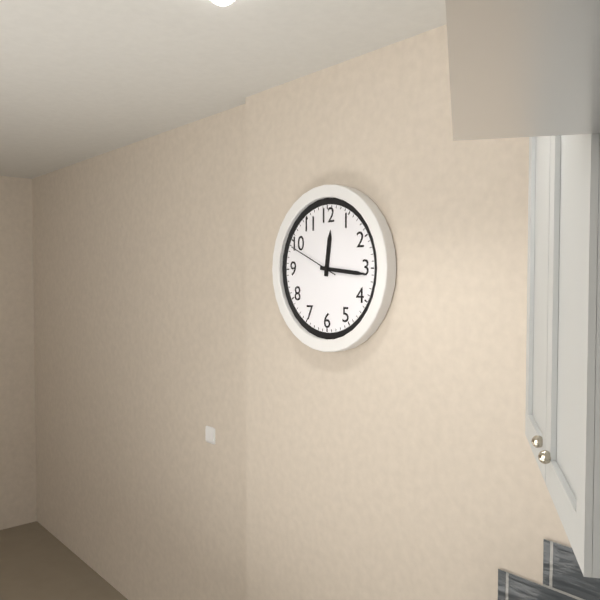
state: 12:16:49
